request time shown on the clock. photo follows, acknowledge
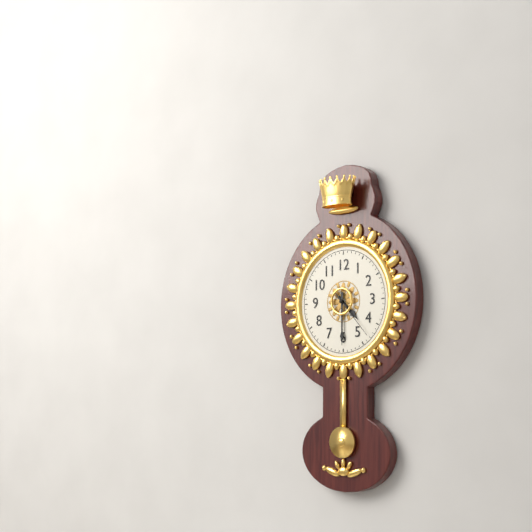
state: 4:30:23
